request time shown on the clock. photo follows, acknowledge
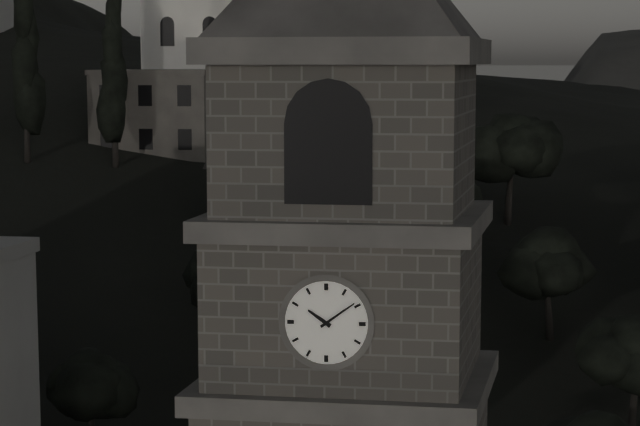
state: 10:09
